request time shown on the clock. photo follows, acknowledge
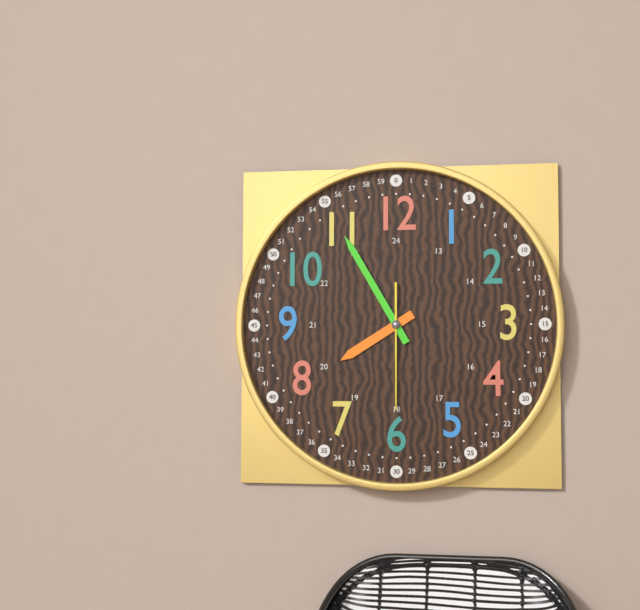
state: 7:55:30
